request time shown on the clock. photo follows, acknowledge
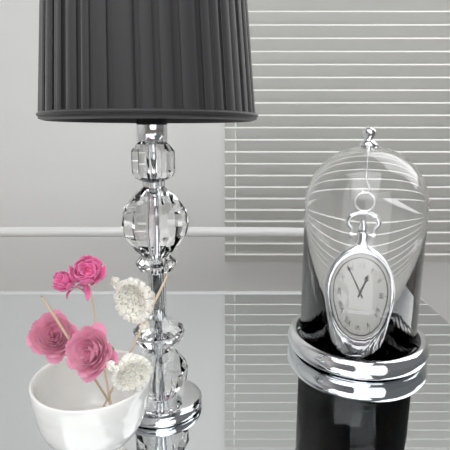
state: 12:54
